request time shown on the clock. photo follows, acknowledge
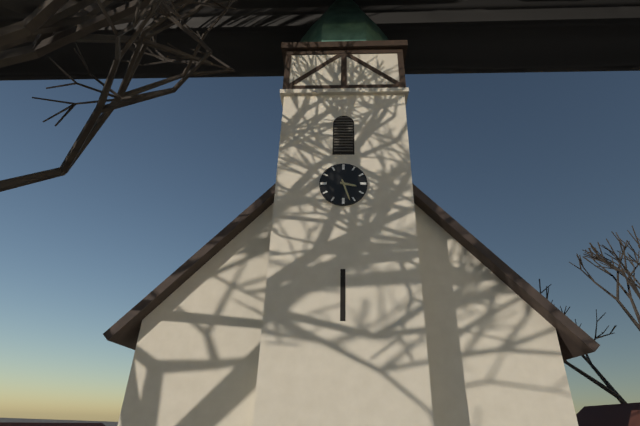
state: 3:27
